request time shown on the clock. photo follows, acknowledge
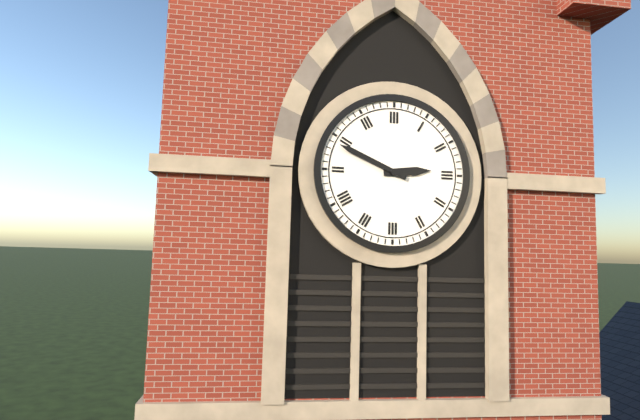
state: 2:49
